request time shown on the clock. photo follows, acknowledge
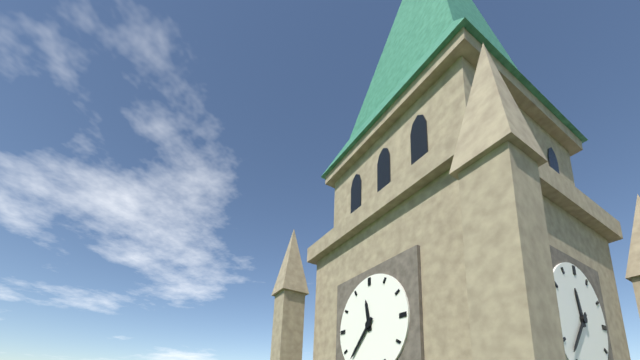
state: 11:37
